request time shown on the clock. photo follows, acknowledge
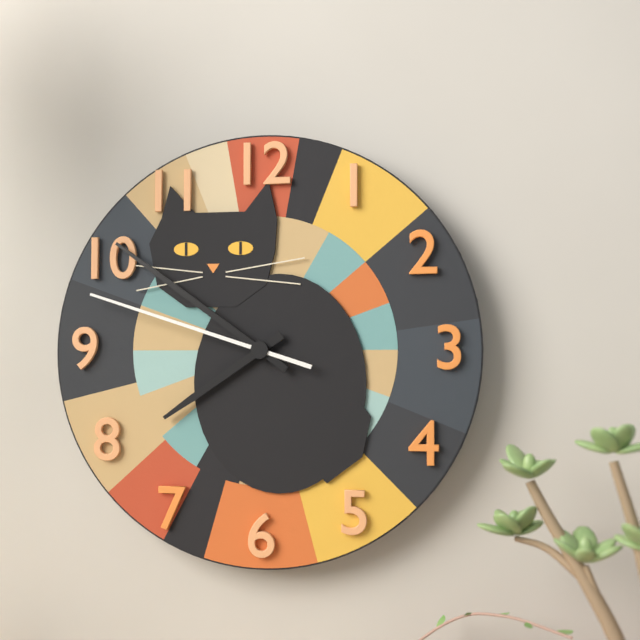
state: 7:51:48
